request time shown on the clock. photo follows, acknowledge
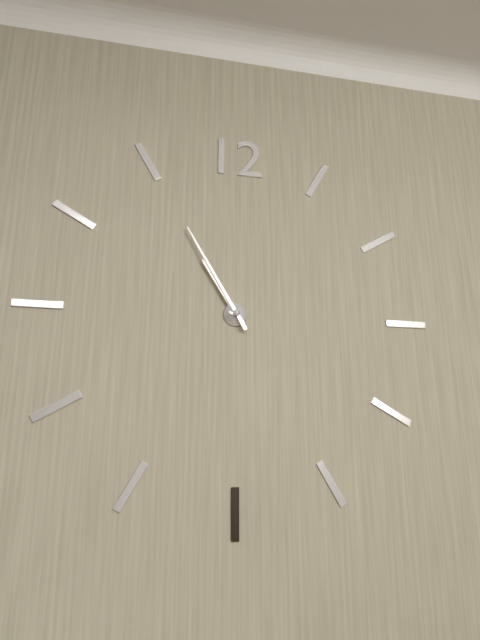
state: 10:55
